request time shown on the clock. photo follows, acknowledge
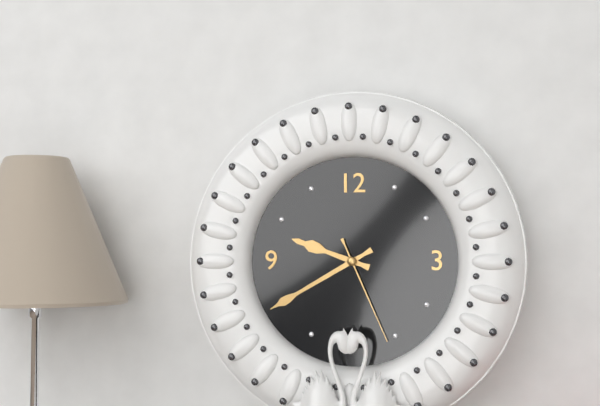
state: 9:40:26
